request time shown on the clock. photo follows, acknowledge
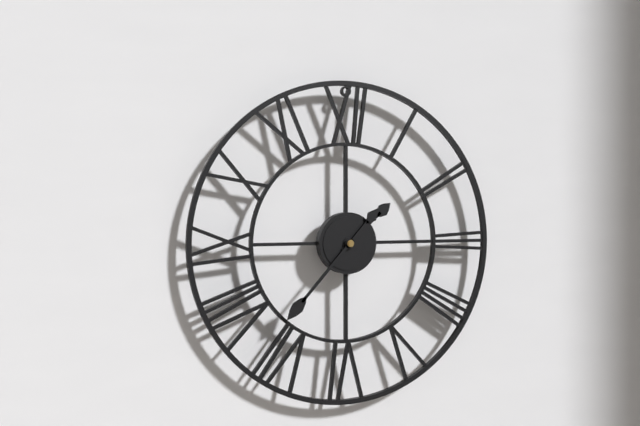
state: 1:37
